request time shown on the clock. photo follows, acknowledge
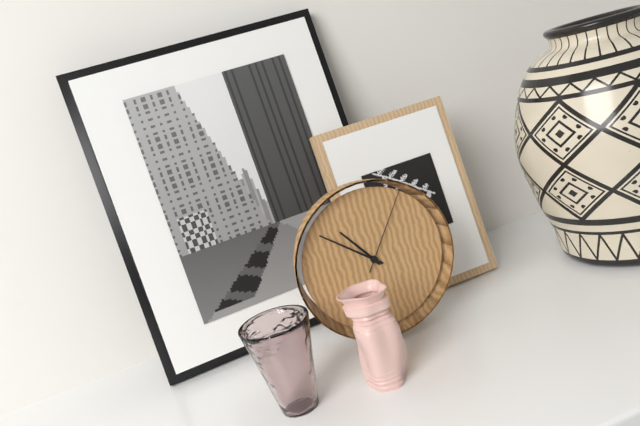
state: 10:52:06
